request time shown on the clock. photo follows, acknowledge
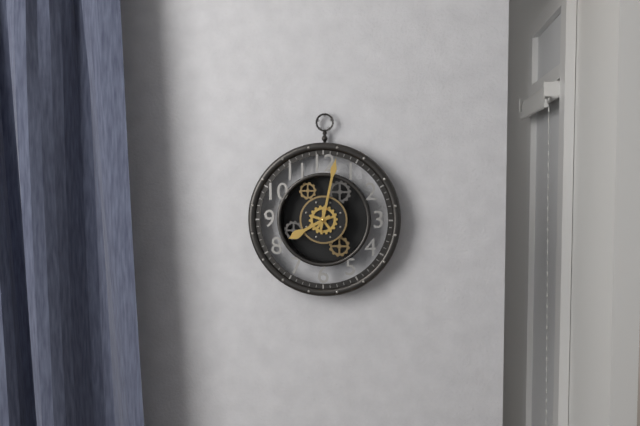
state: 8:02
